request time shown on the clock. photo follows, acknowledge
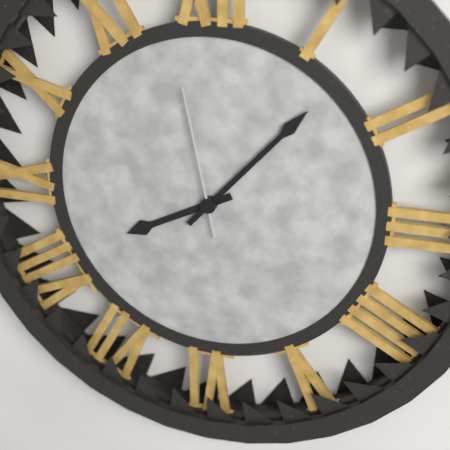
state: 8:07:58
